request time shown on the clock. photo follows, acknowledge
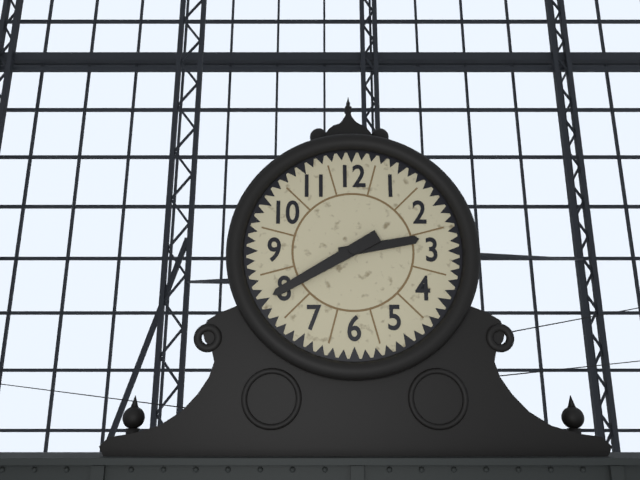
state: 2:40
